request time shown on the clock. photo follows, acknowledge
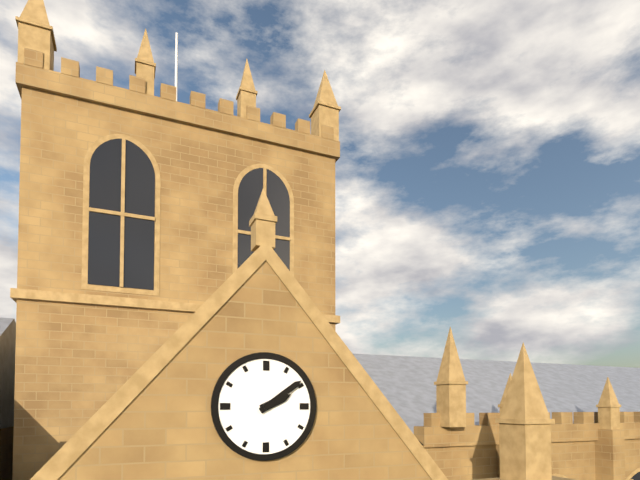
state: 2:09
